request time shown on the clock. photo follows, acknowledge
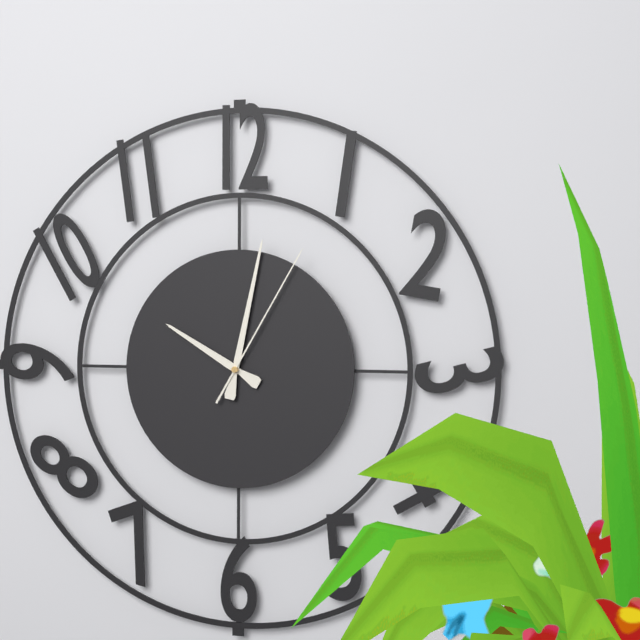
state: 10:02:05
